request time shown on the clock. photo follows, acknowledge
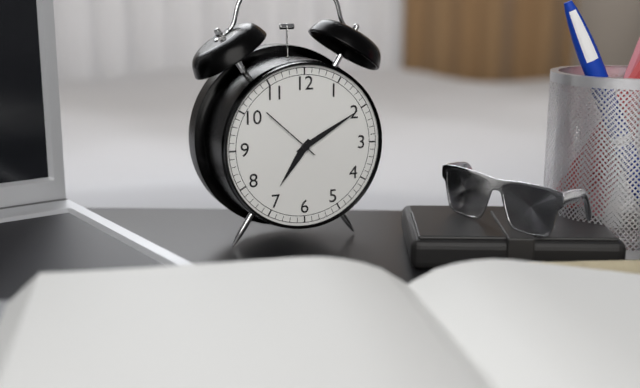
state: 7:10:52
